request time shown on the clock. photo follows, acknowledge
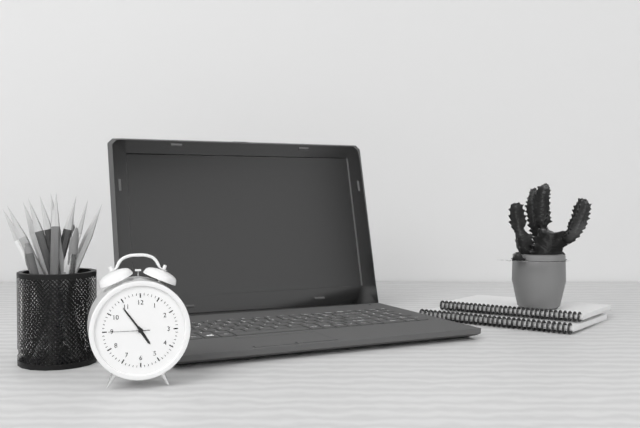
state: 4:54
